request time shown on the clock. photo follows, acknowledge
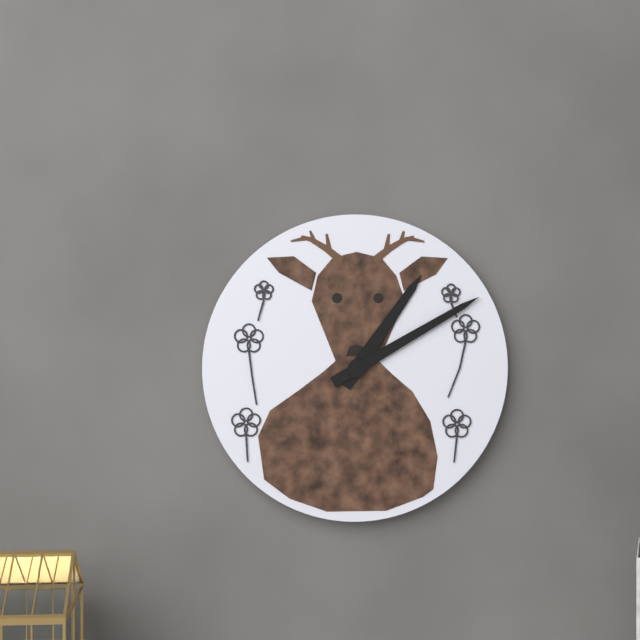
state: 1:10
